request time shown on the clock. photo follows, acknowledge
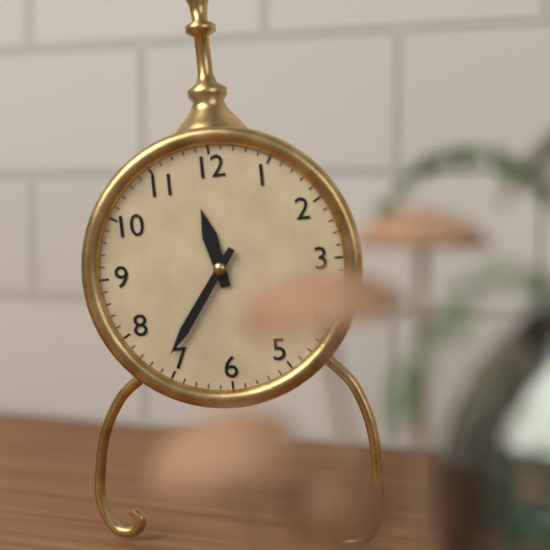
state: 11:36
